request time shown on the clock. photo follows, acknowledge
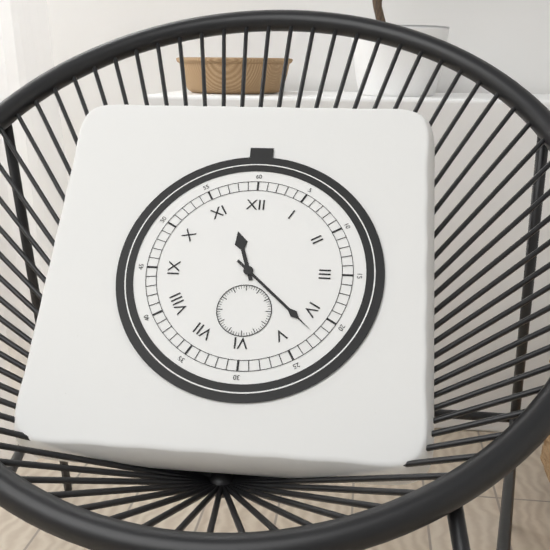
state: 11:22
